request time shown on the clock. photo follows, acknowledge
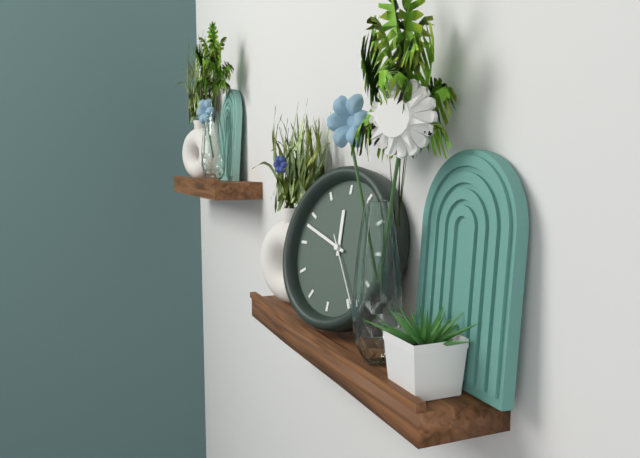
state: 11:48:24
